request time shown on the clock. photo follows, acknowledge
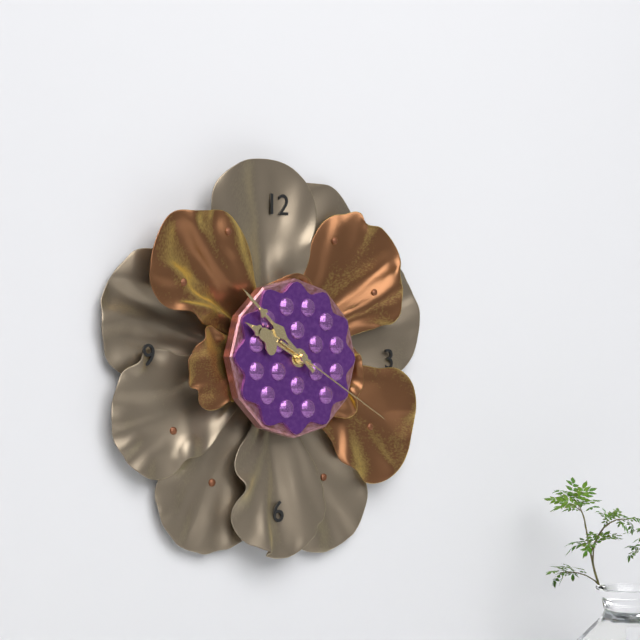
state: 9:52:20
